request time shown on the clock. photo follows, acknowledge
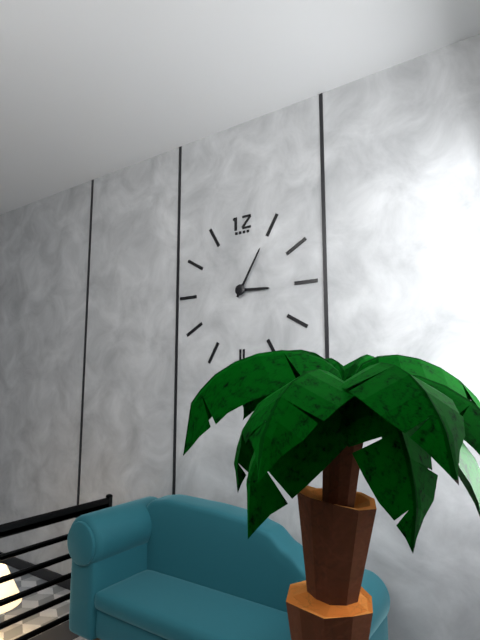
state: 3:05
